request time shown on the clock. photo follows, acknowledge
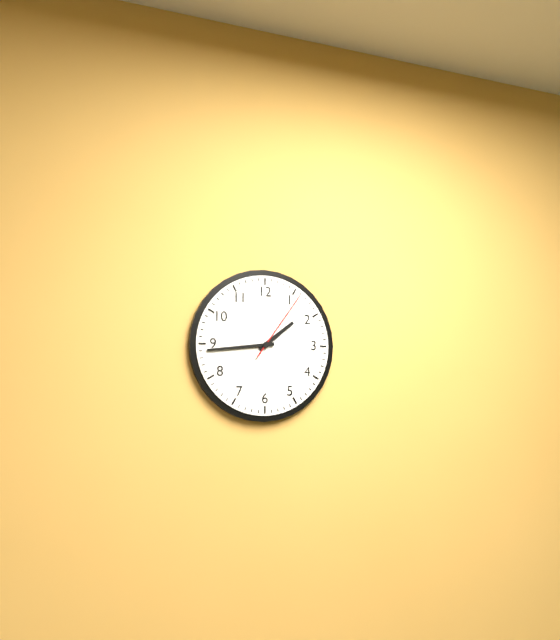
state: 1:44:06
